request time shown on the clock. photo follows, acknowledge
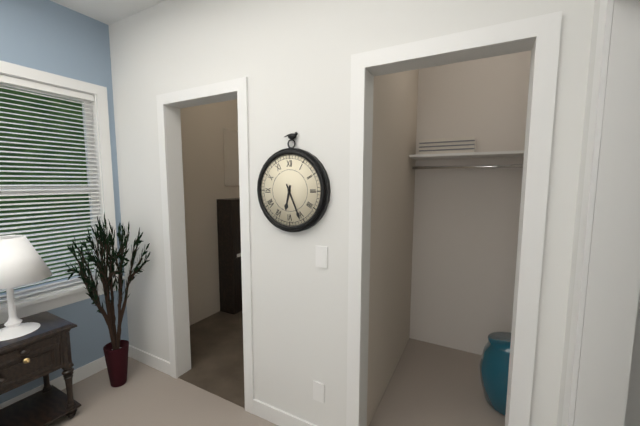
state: 6:26
